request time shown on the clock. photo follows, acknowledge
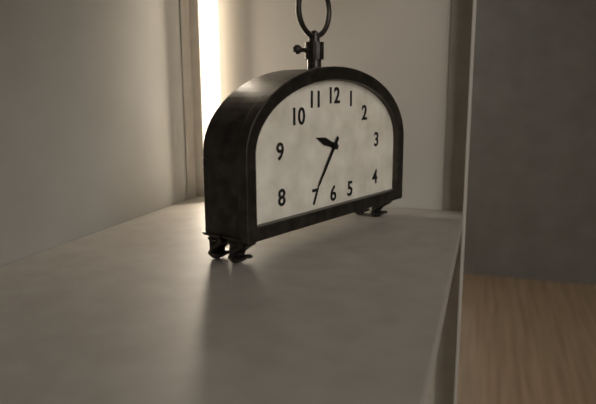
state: 9:36
